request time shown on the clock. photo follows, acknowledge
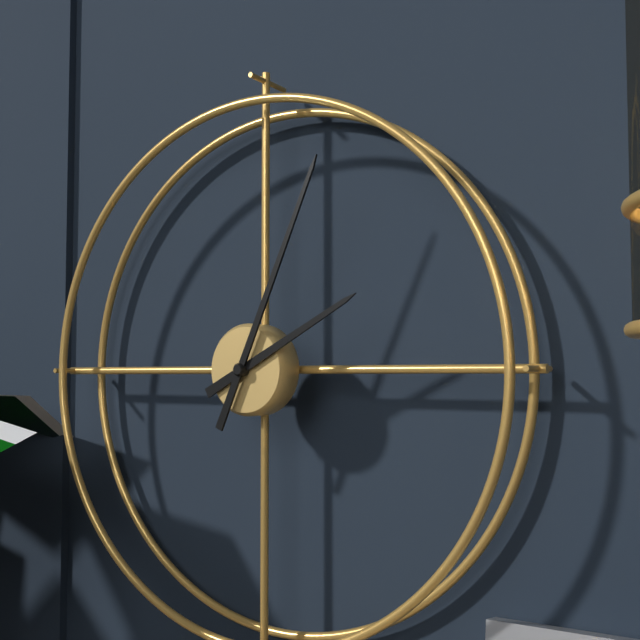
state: 2:04
